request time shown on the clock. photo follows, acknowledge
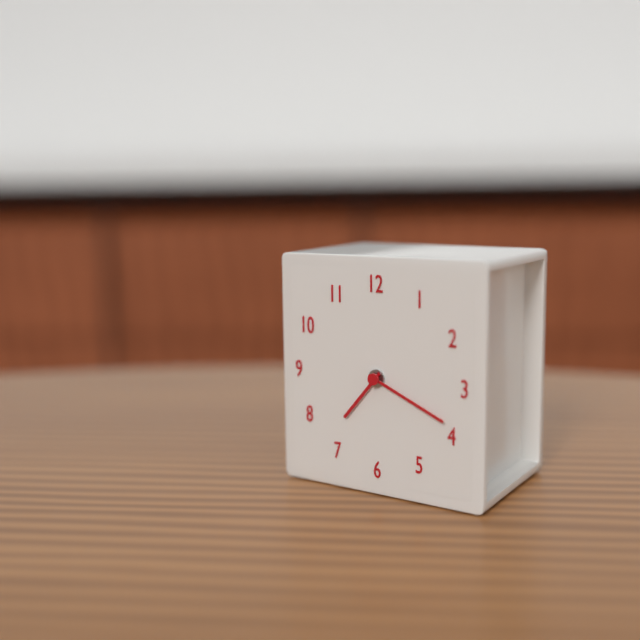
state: 7:19
